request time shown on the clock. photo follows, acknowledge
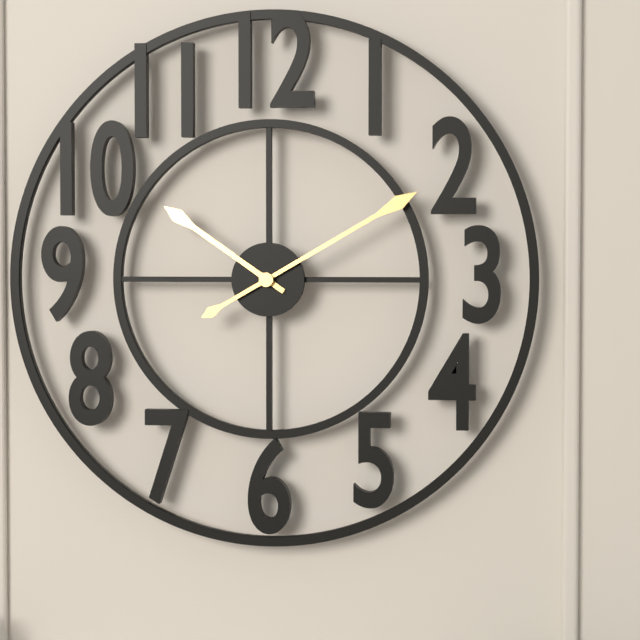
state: 10:10
